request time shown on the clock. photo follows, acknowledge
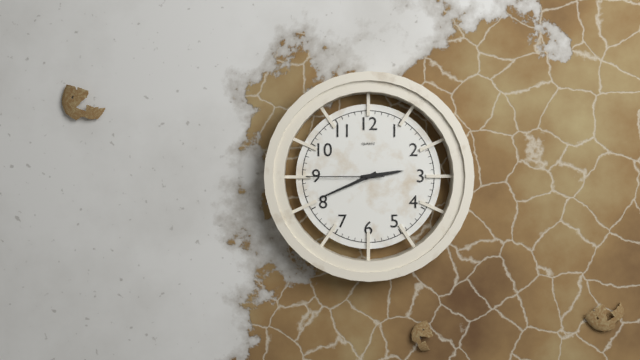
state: 2:41:45
